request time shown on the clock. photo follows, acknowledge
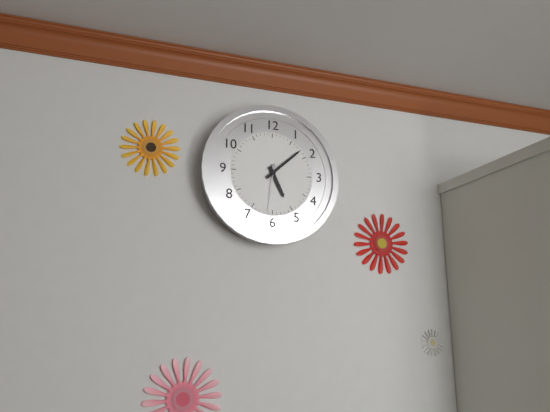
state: 5:08
